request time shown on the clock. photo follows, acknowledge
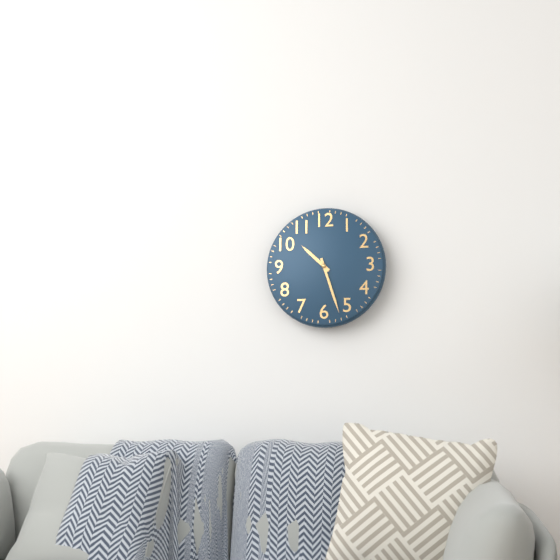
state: 10:27
